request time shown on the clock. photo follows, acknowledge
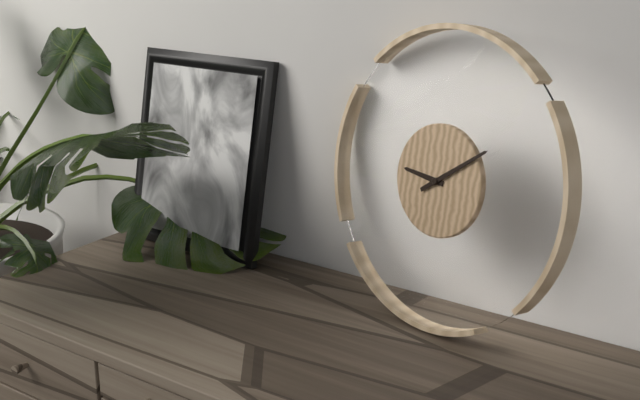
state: 9:09
